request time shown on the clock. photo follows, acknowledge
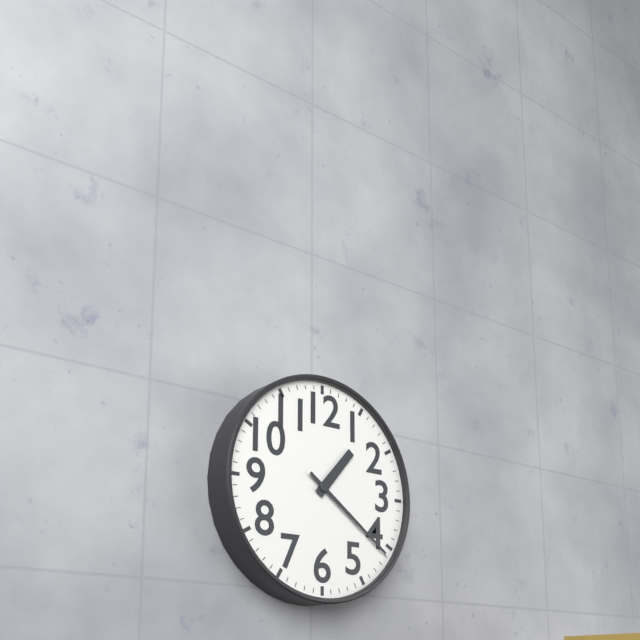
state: 1:21
